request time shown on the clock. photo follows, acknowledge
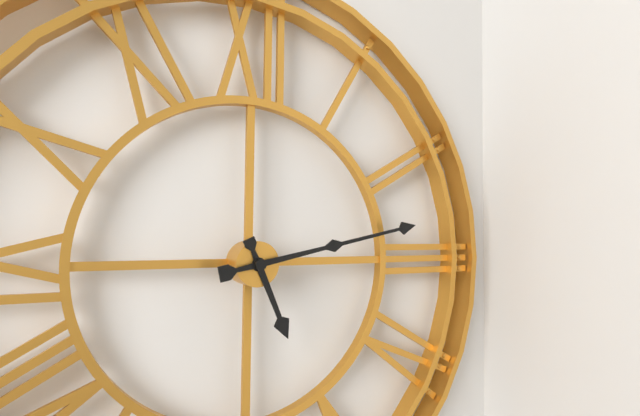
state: 5:13
